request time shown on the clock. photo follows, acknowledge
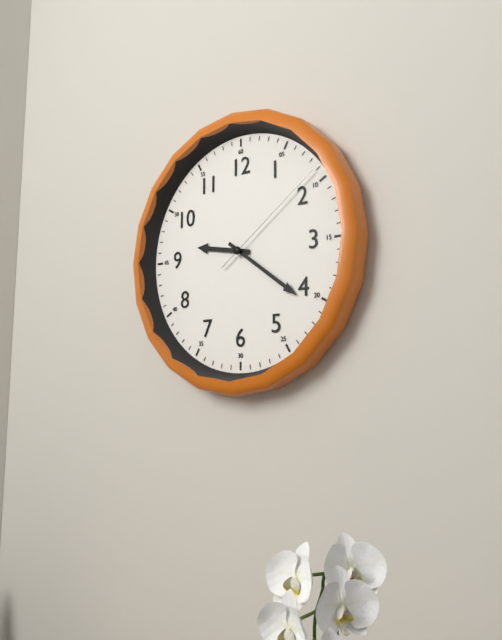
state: 9:21:09
